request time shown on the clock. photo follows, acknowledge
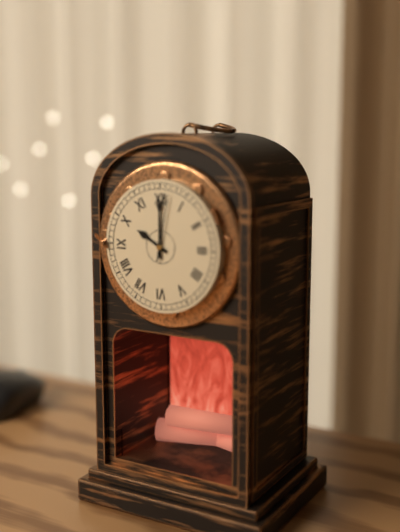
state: 10:00:02
